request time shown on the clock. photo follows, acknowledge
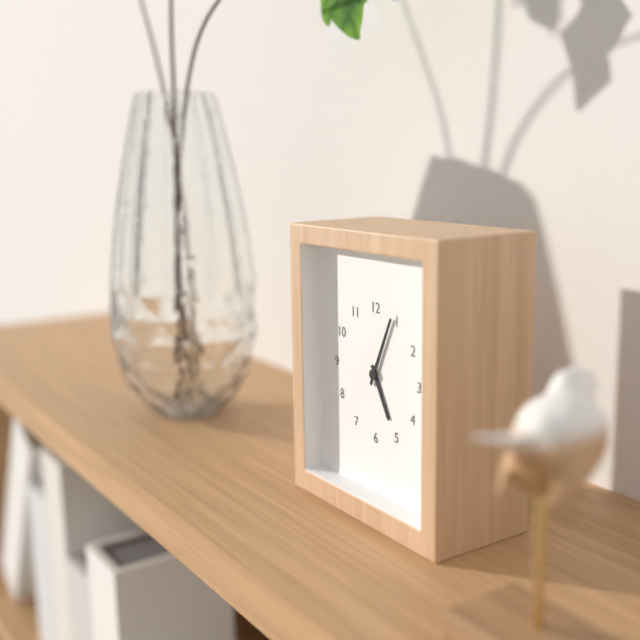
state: 5:04
